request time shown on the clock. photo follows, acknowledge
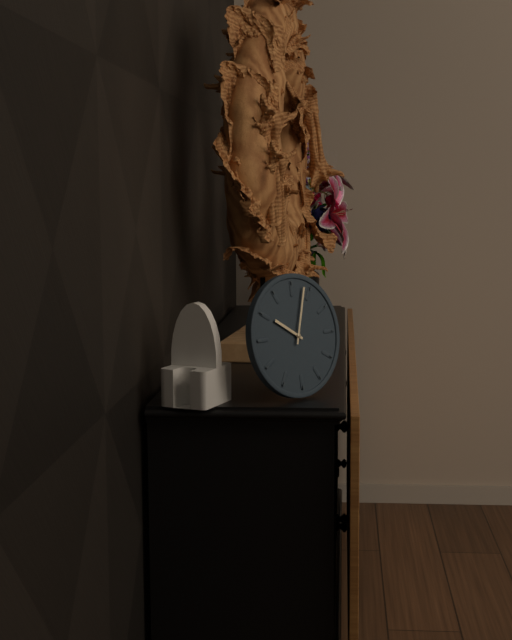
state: 10:03
